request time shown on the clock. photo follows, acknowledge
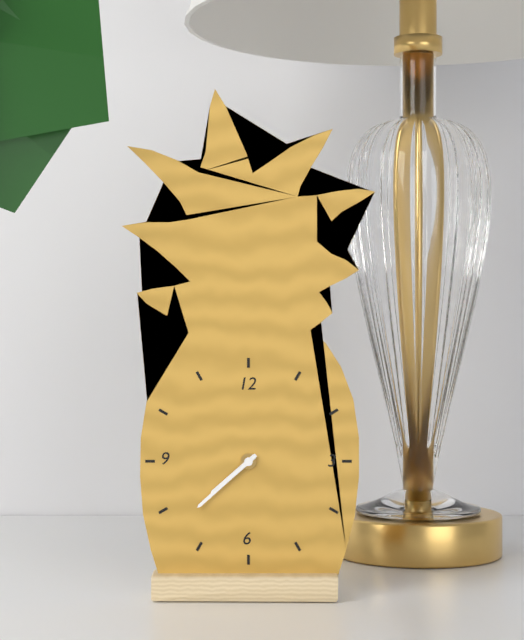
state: 7:38
